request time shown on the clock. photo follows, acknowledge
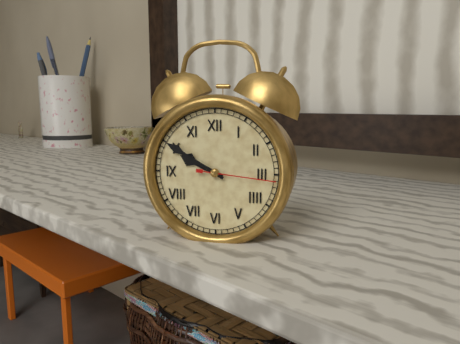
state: 9:50:16
